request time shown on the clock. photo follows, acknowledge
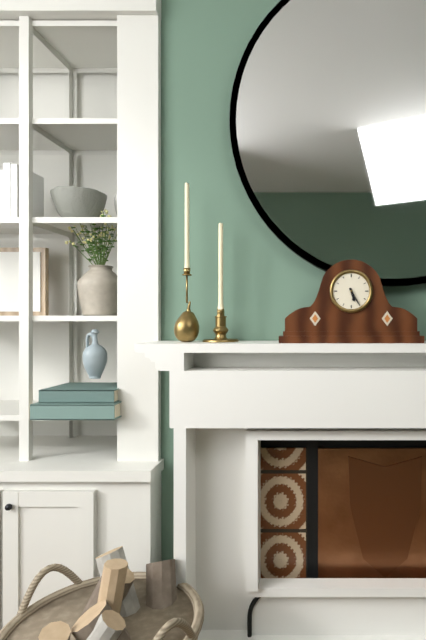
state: 5:25
